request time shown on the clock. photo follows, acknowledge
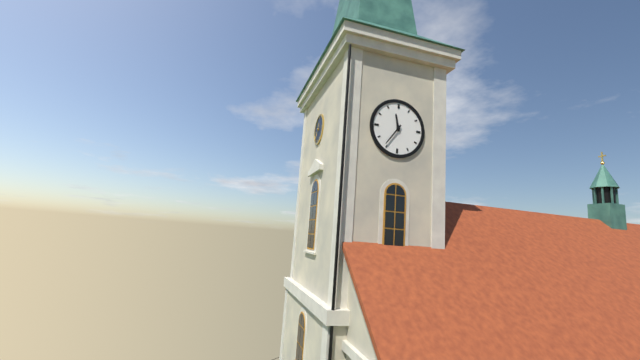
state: 11:36
